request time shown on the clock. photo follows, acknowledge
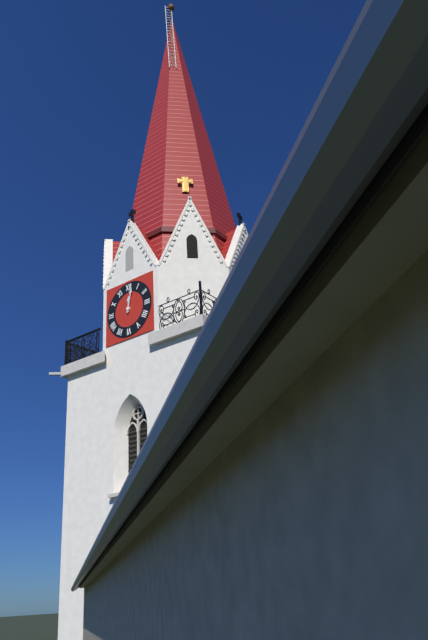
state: 12:02
